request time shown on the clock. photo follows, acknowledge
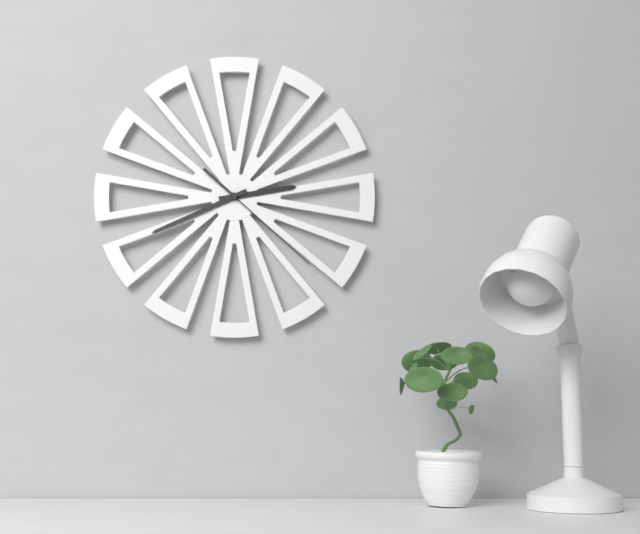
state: 2:41:22
